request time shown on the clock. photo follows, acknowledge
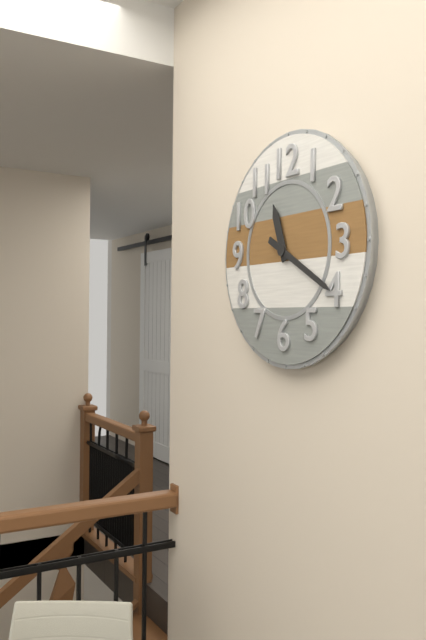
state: 11:20
